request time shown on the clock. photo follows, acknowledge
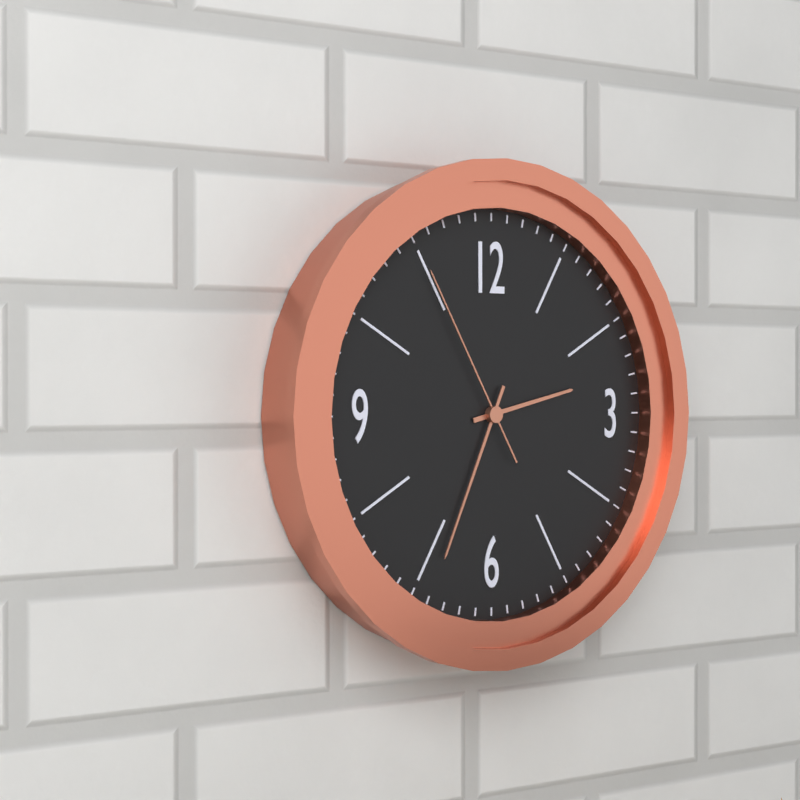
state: 2:34:55
